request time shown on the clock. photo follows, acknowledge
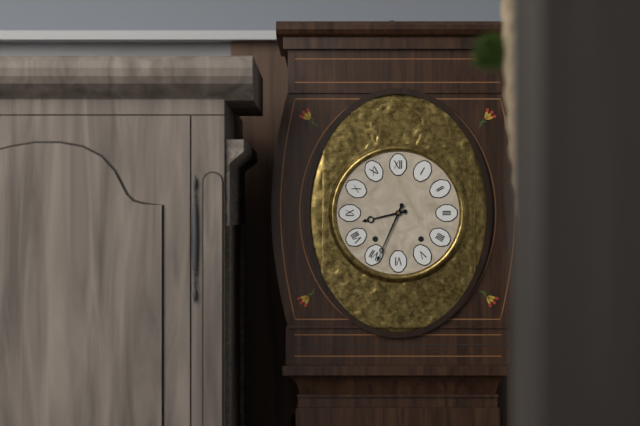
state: 8:34
